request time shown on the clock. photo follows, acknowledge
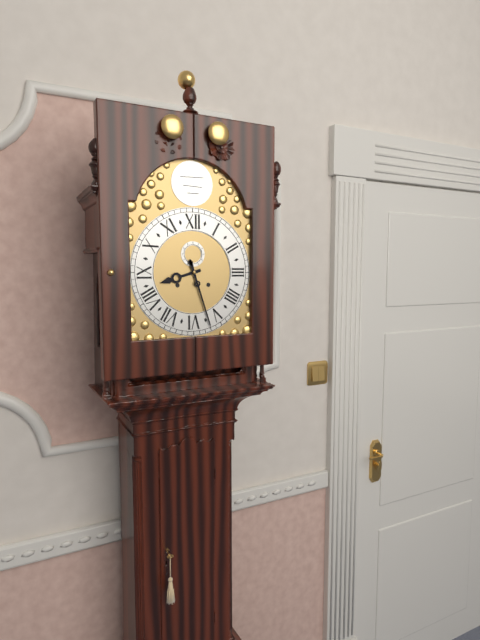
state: 8:27
